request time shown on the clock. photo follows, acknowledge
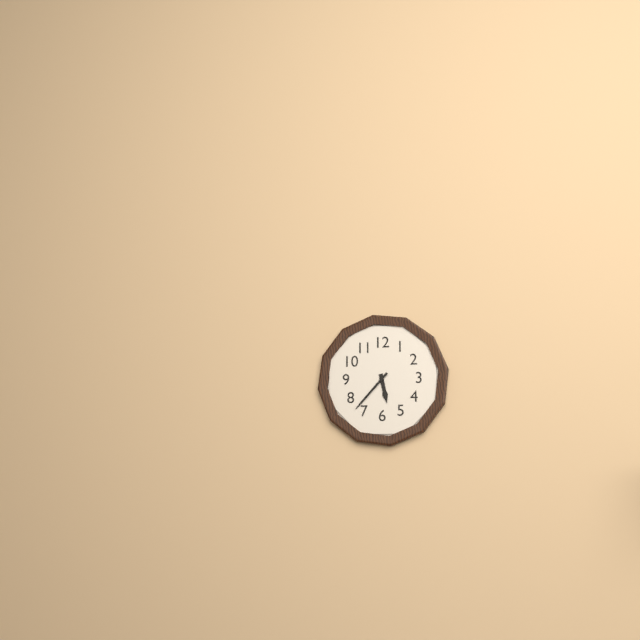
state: 5:37
